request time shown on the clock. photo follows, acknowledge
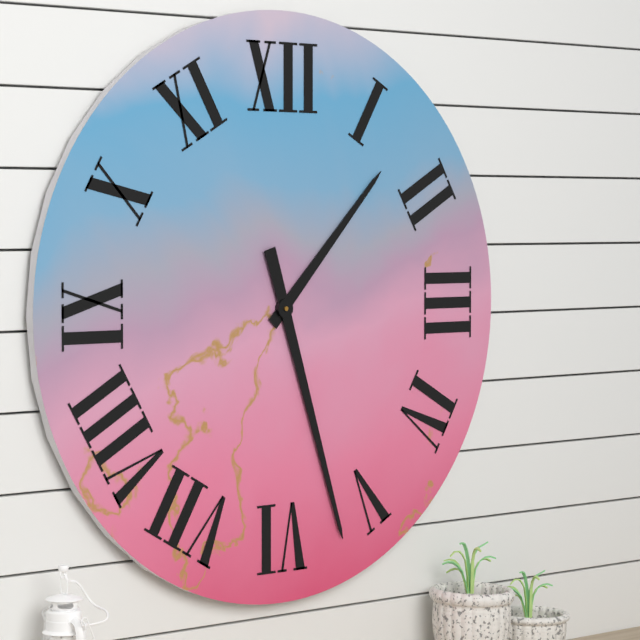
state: 1:27
